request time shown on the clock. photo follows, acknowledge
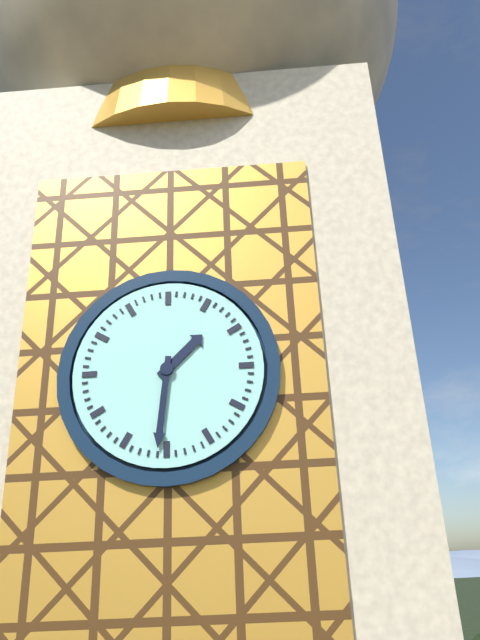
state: 1:31
